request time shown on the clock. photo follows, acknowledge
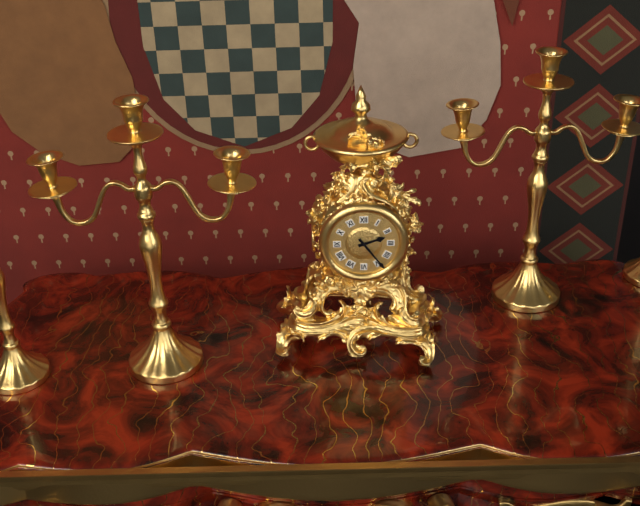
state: 2:24
